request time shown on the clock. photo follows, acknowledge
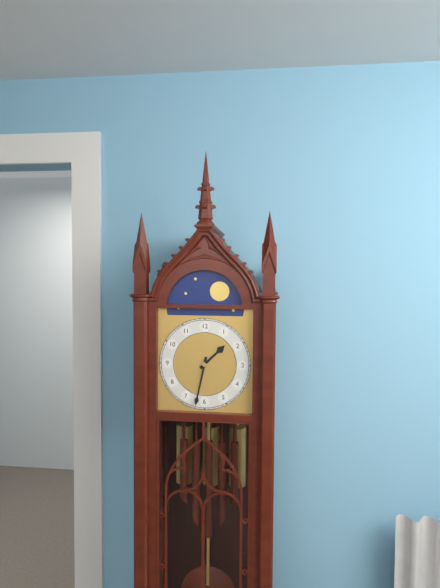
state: 1:32
